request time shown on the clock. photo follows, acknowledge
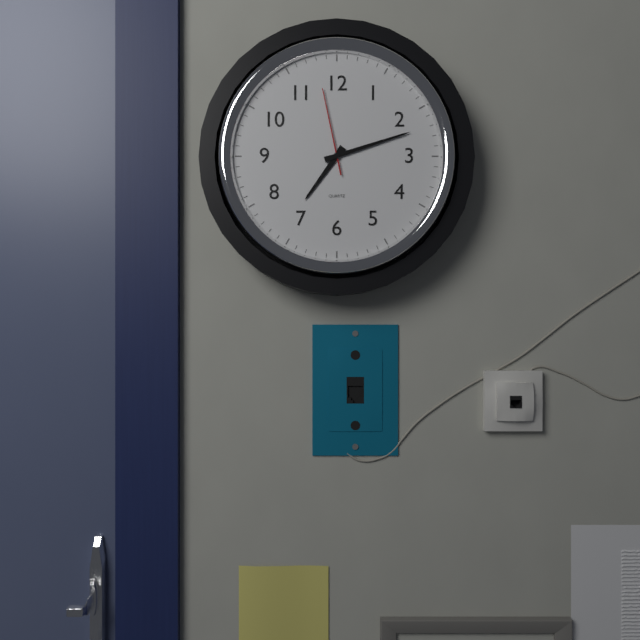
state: 7:12:58
